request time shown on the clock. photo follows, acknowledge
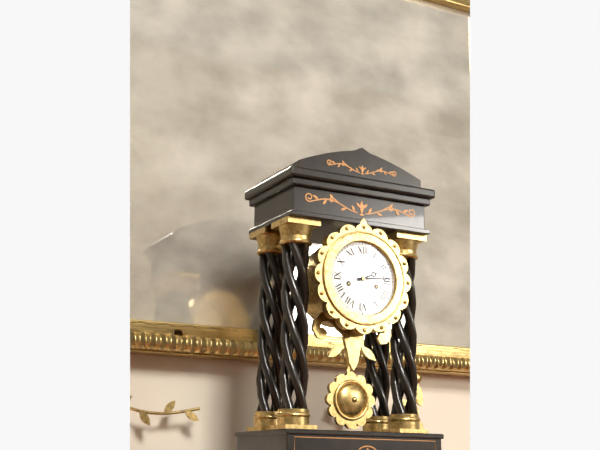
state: 2:14
